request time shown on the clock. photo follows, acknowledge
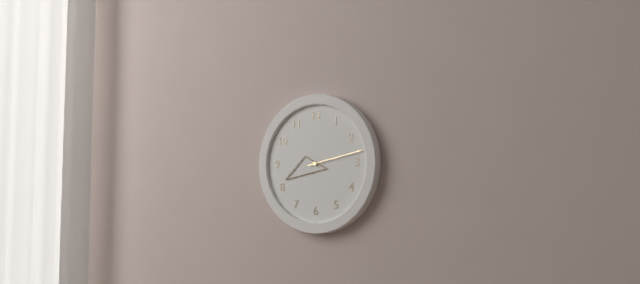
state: 8:13
